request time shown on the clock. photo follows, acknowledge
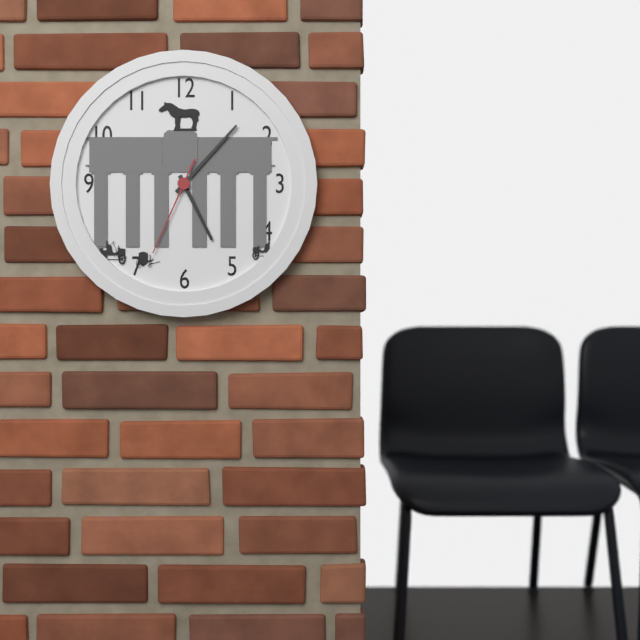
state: 5:07:34
